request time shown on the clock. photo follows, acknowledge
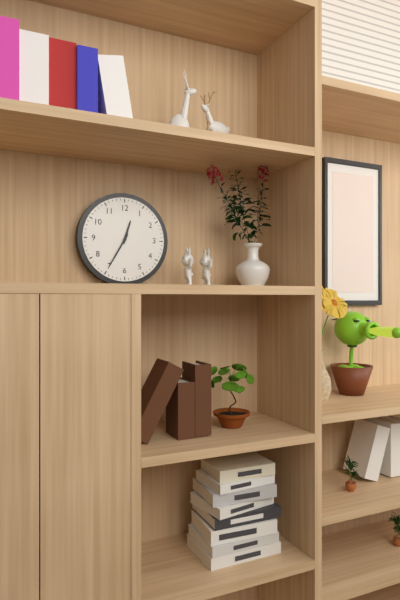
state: 12:35
